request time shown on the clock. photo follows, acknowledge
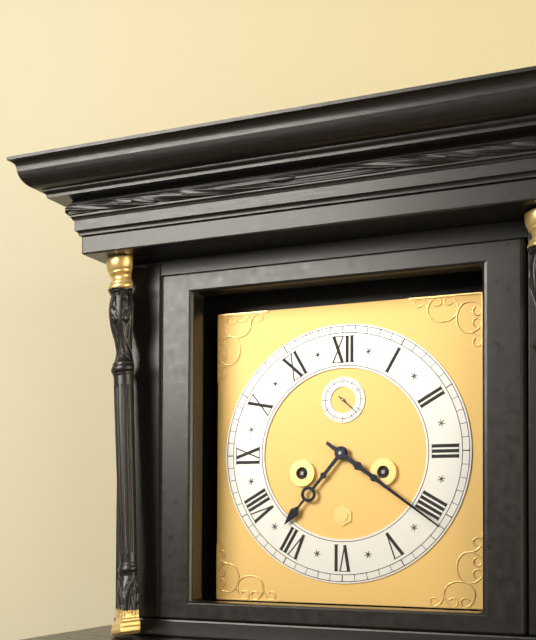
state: 7:21
